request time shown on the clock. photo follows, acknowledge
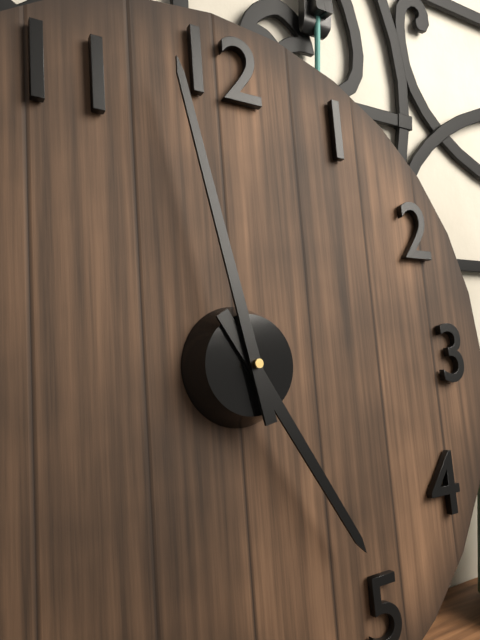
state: 4:58
